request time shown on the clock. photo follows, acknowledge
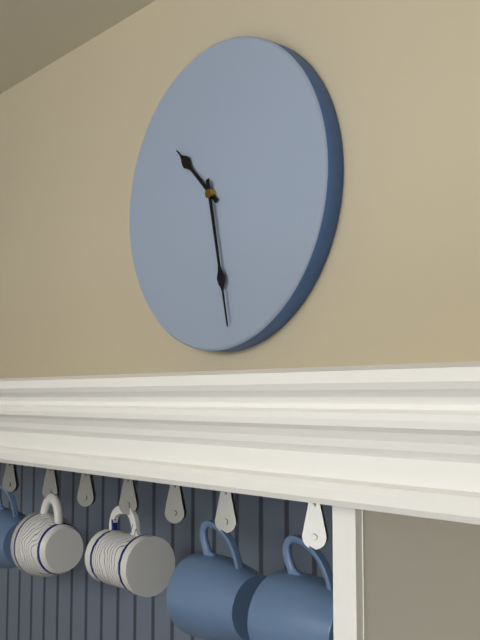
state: 10:28
